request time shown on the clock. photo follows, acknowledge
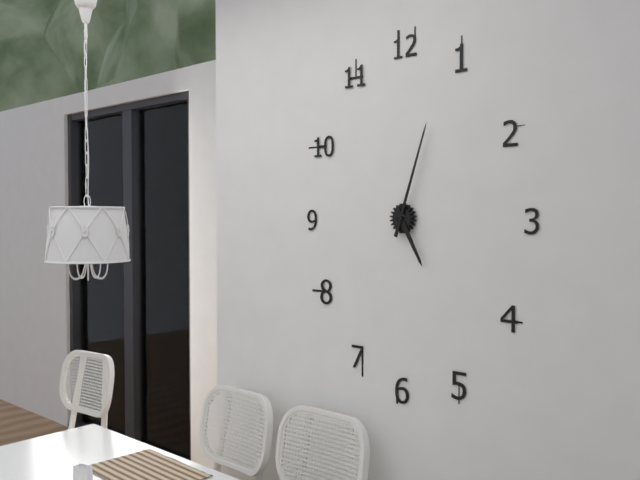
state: 5:03
